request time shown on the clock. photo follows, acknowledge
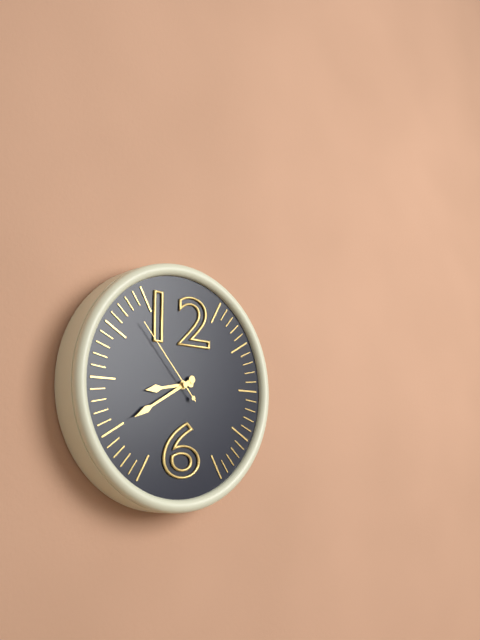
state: 8:40:53
